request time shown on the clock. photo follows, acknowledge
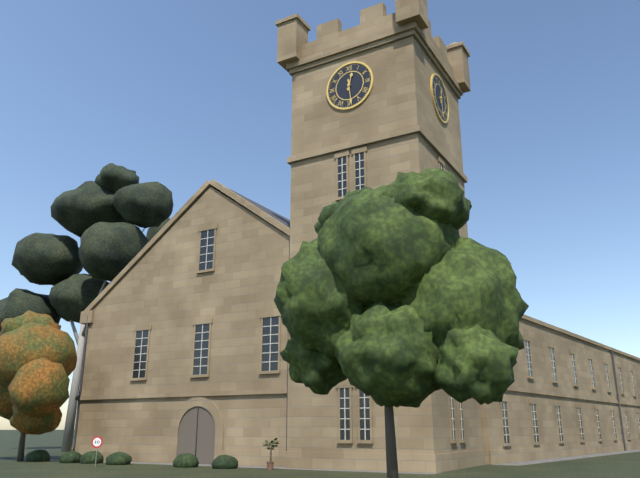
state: 12:29
